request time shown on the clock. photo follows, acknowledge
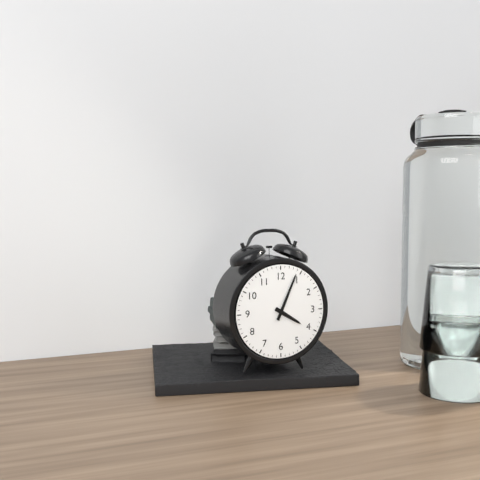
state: 4:04
